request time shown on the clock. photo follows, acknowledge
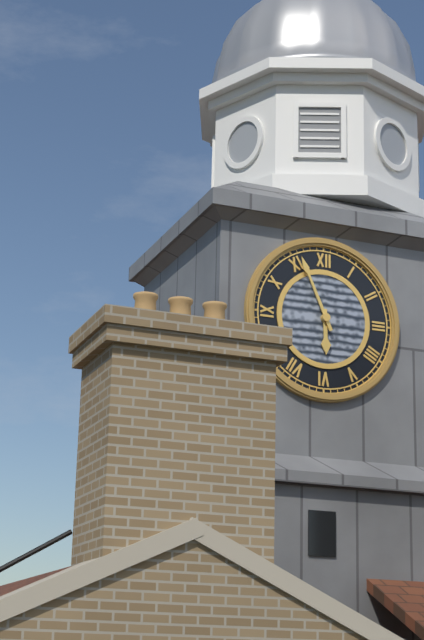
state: 5:56
